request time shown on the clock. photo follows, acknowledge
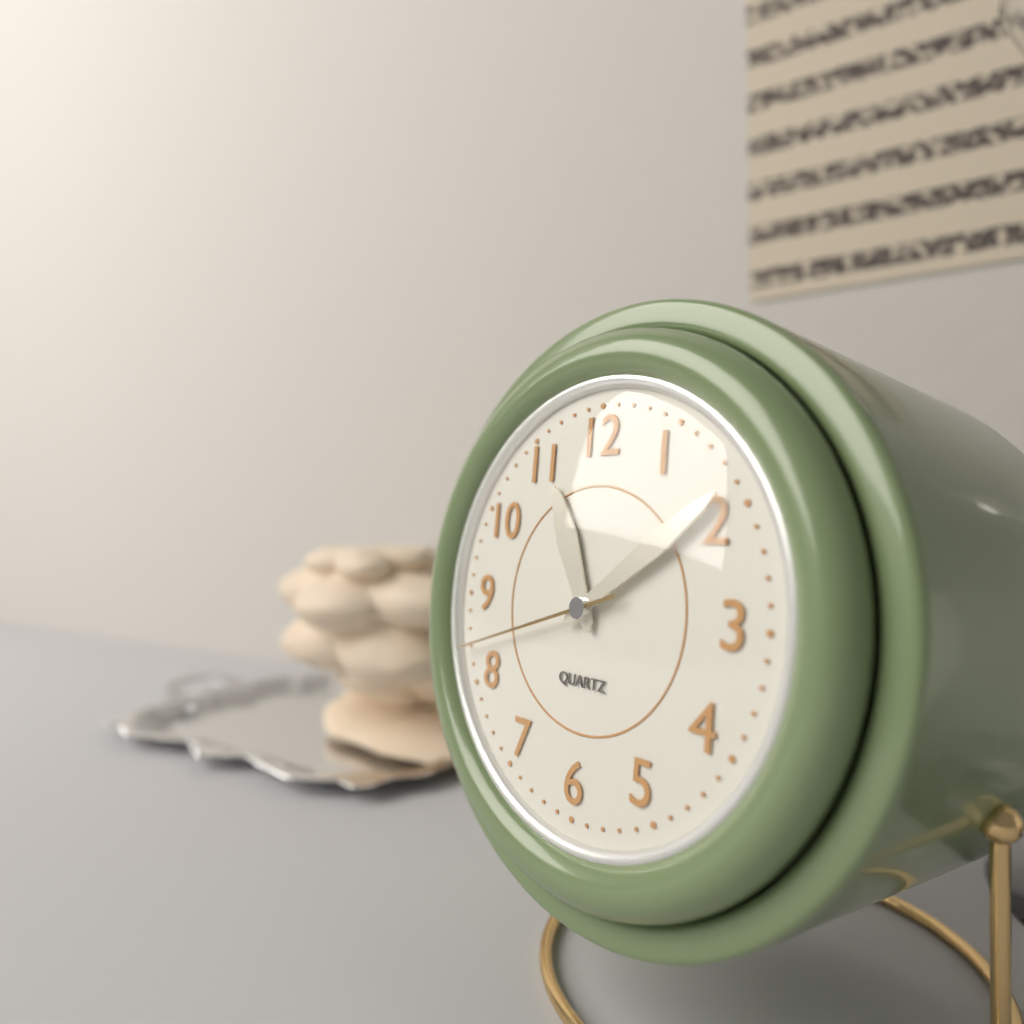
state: 11:09:42
